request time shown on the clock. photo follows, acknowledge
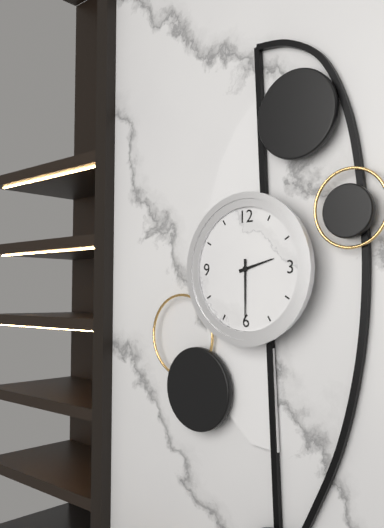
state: 2:30
